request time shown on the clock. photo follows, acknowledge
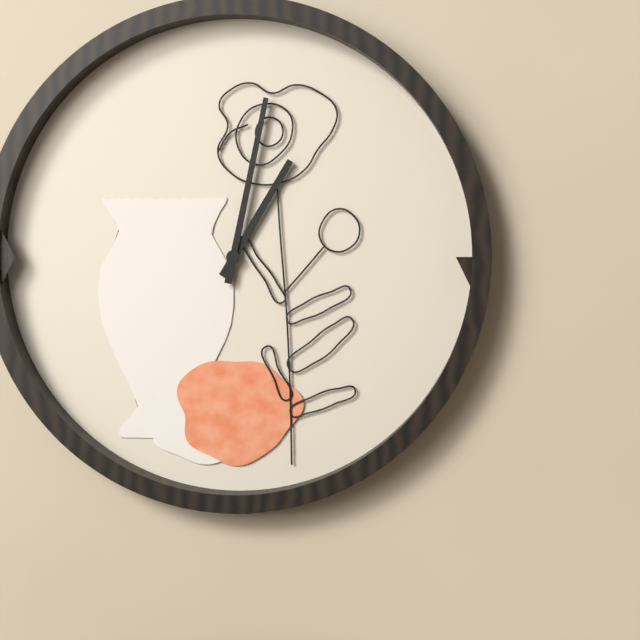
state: 1:02
